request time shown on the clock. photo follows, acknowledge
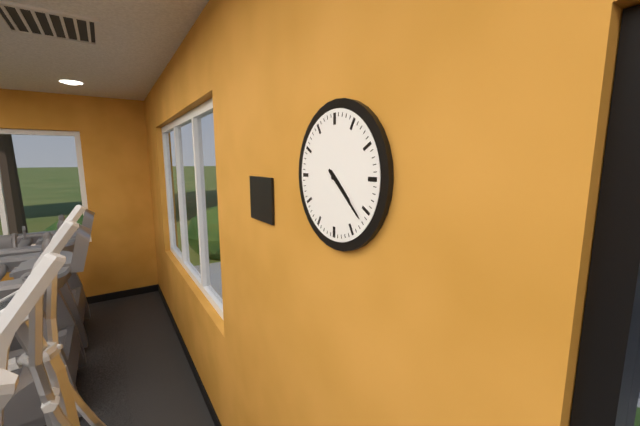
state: 4:22
